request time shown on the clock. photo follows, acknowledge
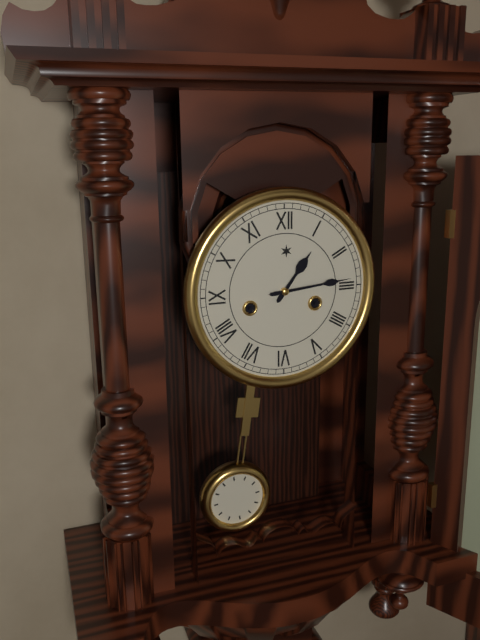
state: 1:14
